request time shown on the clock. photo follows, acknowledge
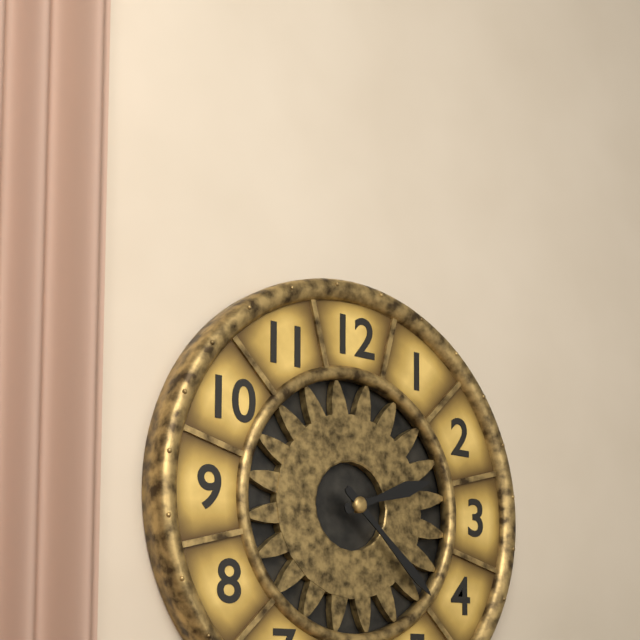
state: 2:22
